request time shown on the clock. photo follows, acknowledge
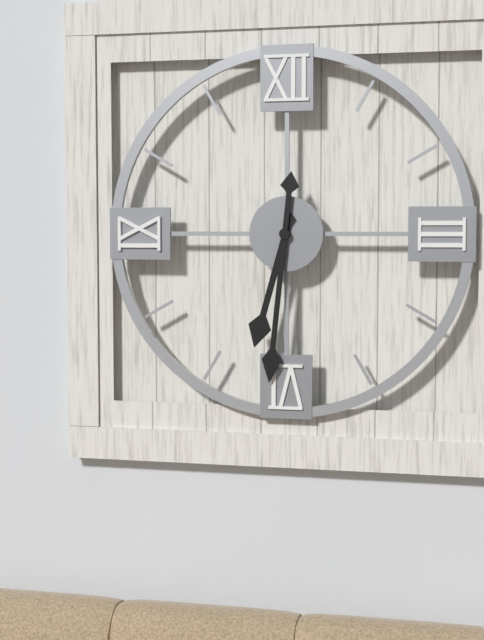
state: 6:31
